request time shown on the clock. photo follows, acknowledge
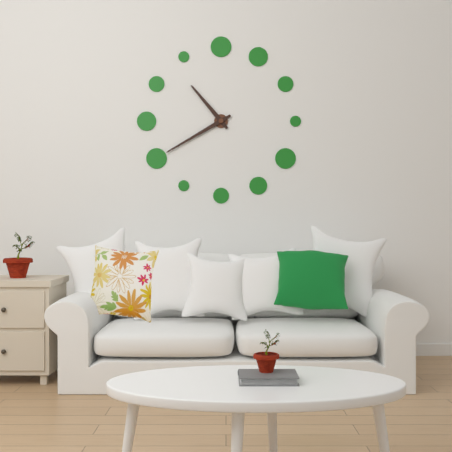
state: 10:40
